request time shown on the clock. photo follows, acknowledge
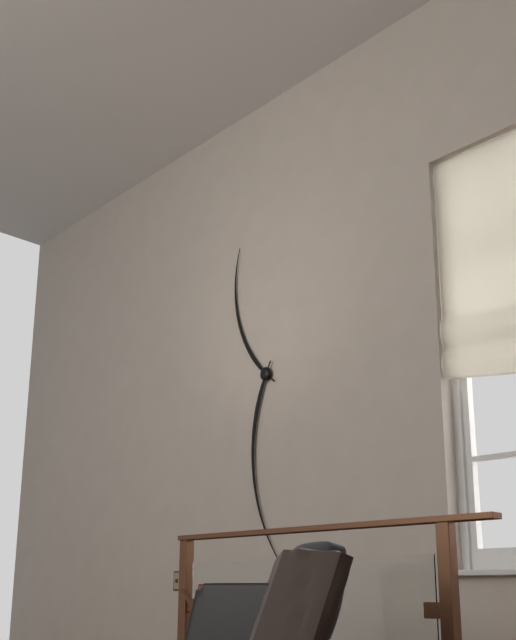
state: 11:29
